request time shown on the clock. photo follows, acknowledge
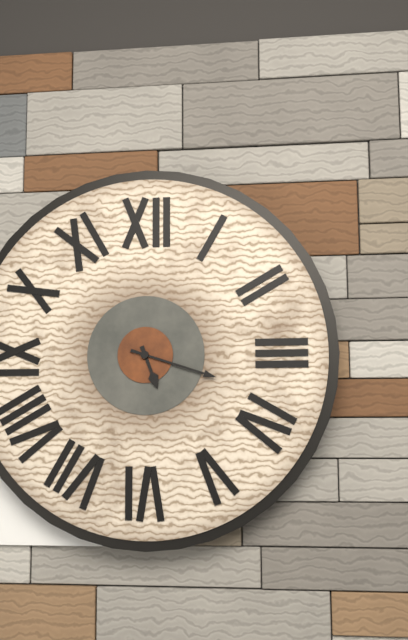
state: 5:18
